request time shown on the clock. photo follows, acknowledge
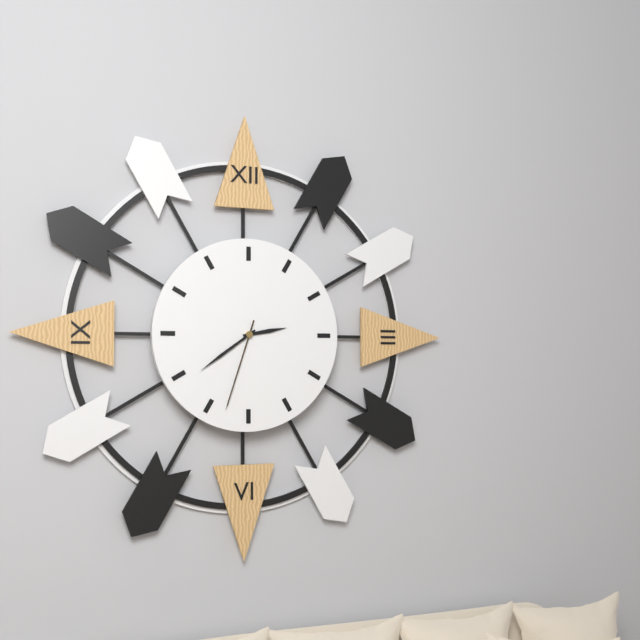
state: 2:39:33
